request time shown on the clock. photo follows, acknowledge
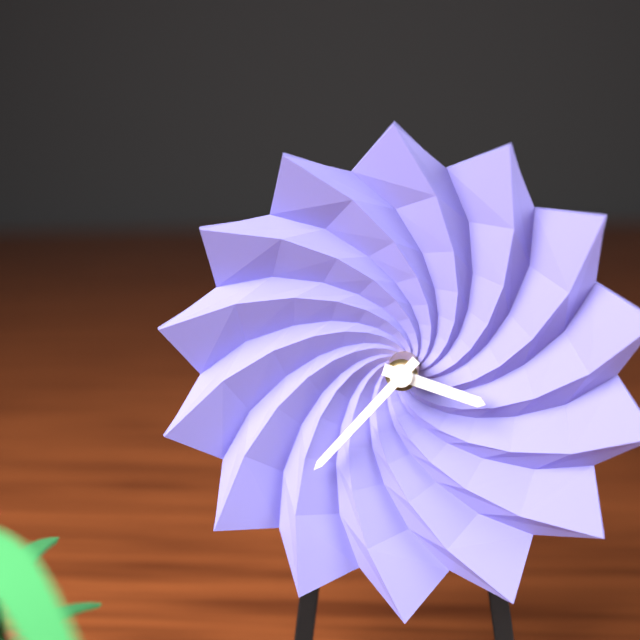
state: 3:37
